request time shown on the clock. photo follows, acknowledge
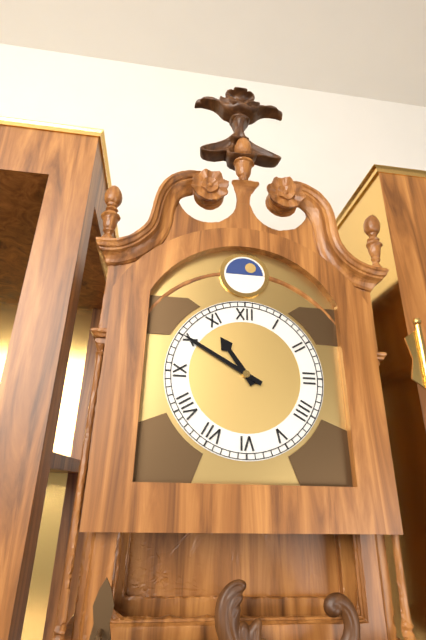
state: 10:50
